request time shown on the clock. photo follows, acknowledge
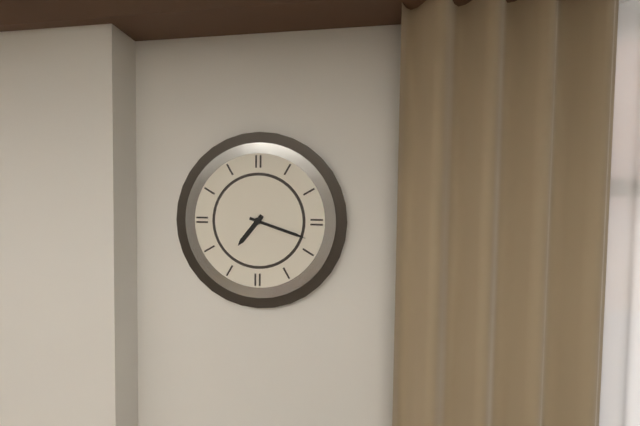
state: 7:18
